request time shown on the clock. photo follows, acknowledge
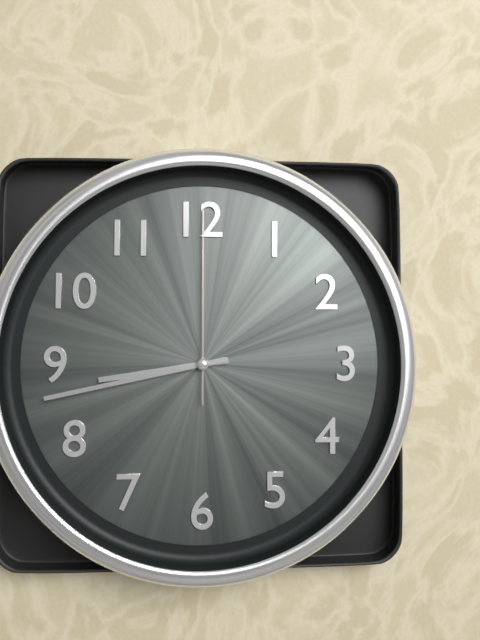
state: 8:43:00
